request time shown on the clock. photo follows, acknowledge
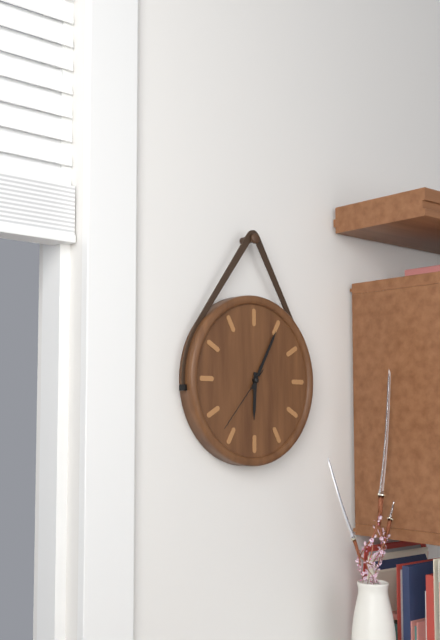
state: 6:05:37
